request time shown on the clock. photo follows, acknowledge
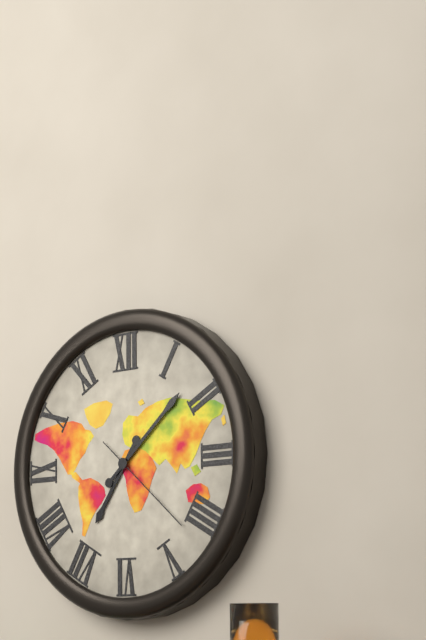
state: 7:08:22
